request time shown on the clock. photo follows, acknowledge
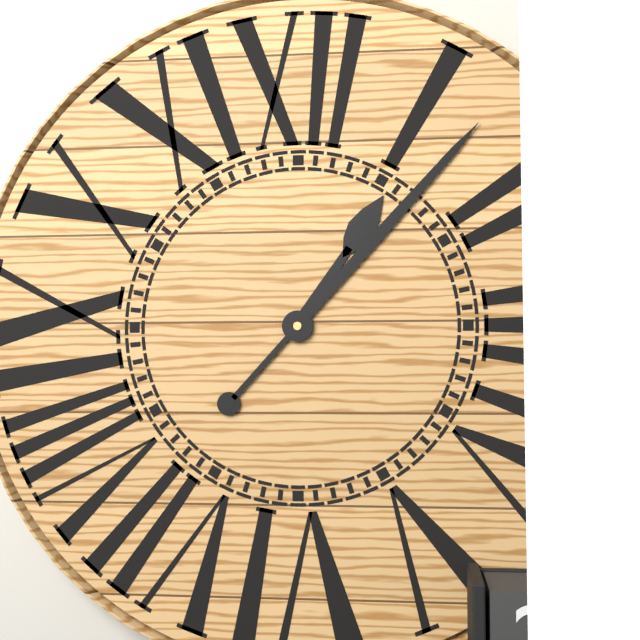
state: 1:07
